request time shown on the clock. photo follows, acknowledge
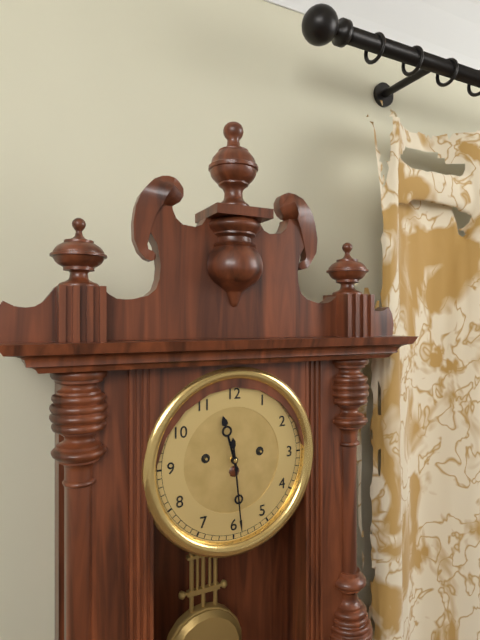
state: 11:29
